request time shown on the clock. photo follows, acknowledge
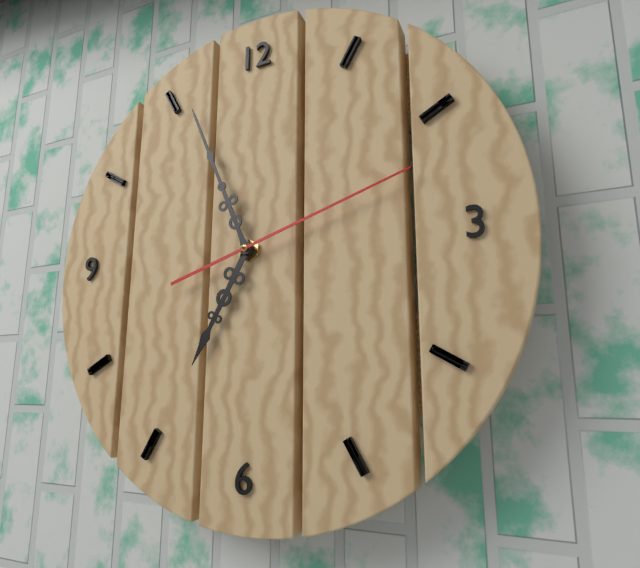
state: 6:56:12
